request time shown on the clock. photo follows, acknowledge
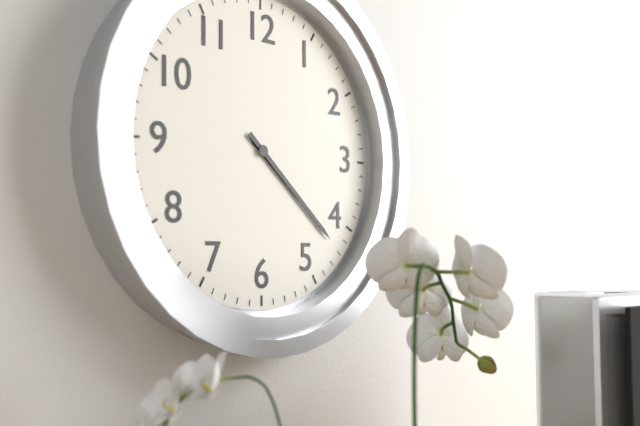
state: 4:22
